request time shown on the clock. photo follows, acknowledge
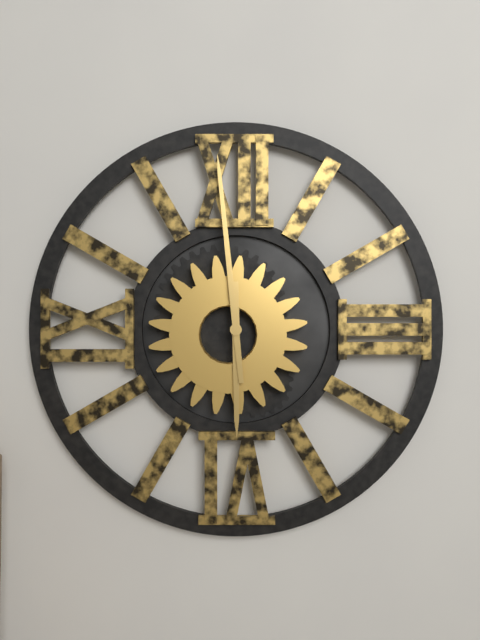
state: 5:59
